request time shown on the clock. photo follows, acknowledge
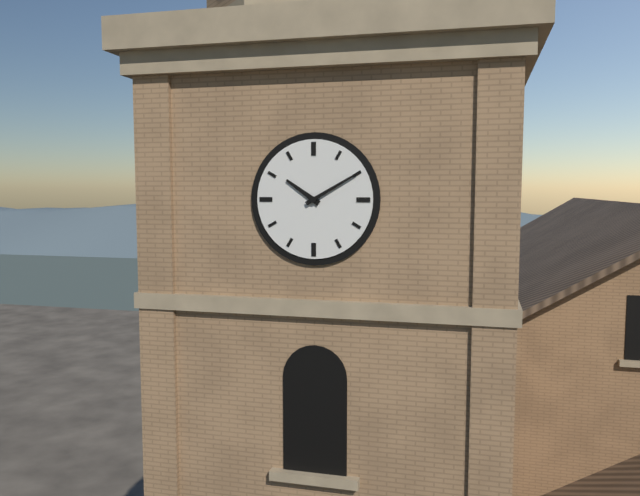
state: 10:10
